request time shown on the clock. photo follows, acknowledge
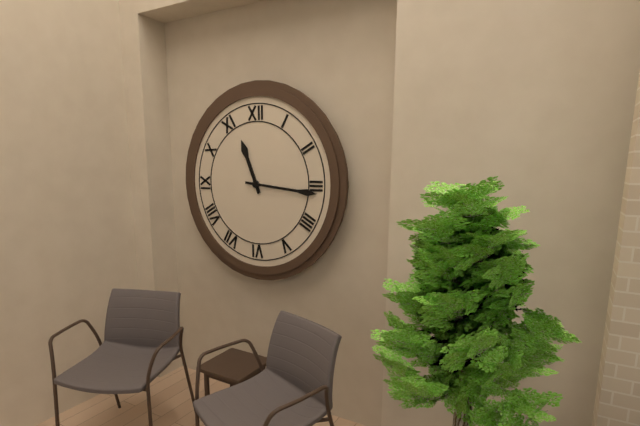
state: 11:16
